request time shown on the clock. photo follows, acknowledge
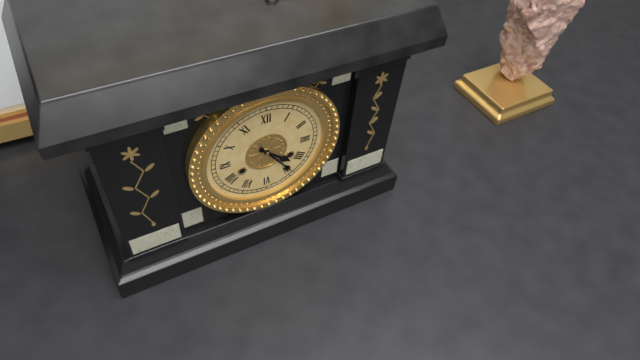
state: 4:24
